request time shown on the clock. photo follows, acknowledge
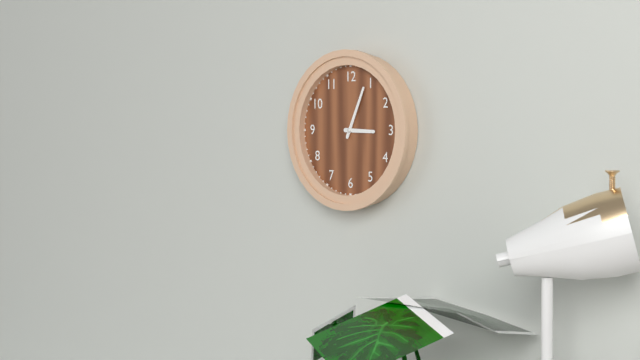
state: 3:04
